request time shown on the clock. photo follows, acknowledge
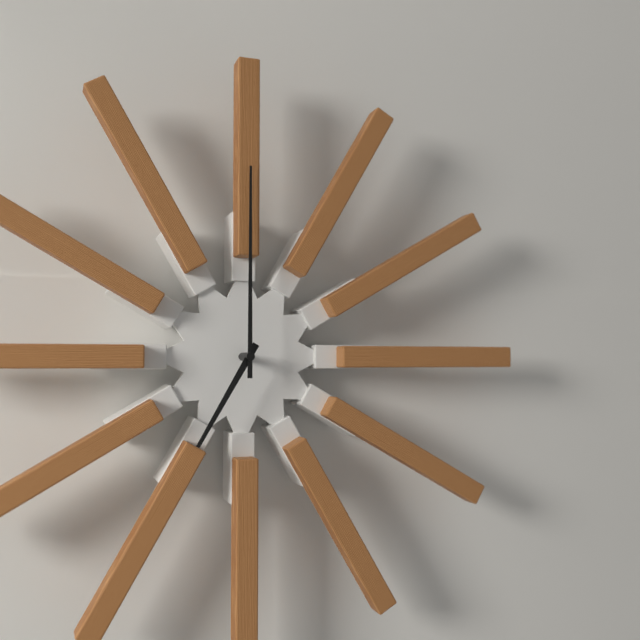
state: 7:00
